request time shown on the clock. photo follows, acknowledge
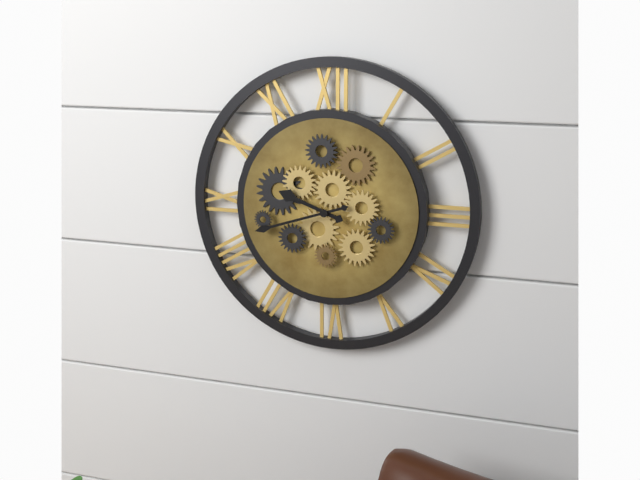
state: 9:42
